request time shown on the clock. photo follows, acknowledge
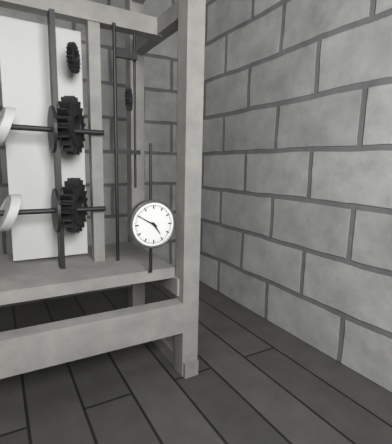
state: 4:50
